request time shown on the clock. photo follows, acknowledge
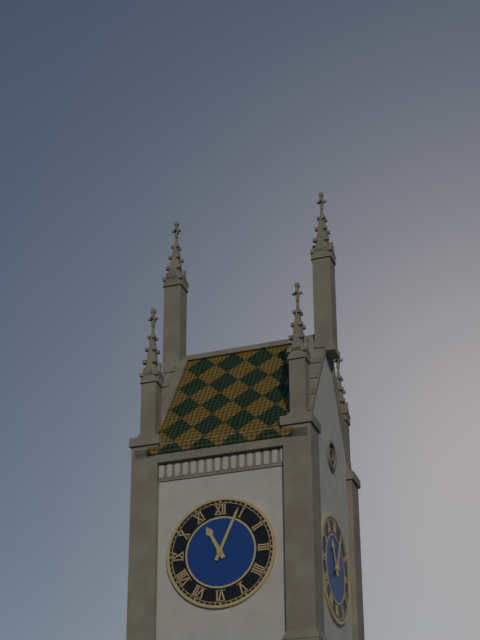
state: 11:04
